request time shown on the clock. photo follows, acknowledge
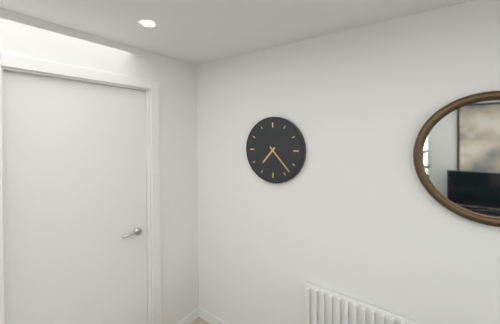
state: 7:23
